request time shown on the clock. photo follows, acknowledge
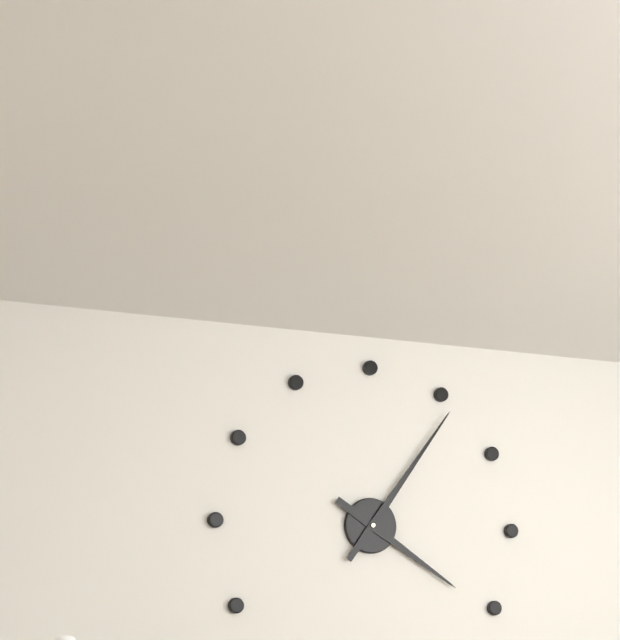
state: 4:06
